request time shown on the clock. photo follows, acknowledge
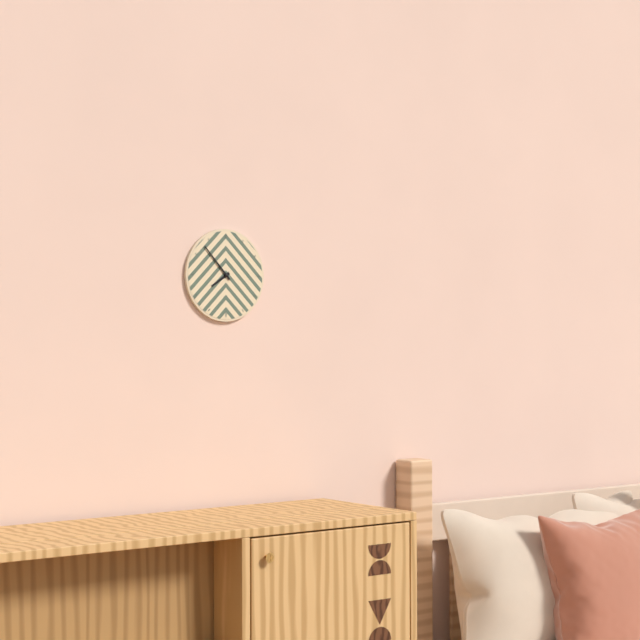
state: 7:53
